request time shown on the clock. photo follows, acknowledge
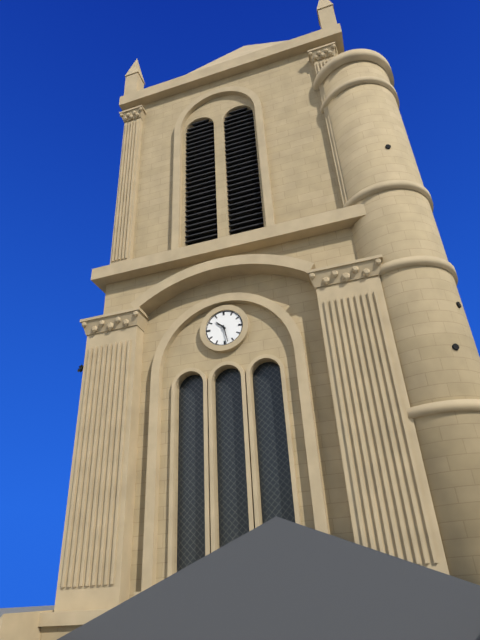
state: 10:28
